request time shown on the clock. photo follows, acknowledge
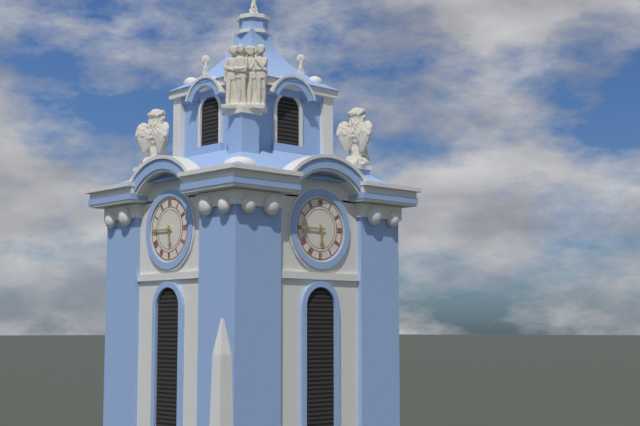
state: 5:45
